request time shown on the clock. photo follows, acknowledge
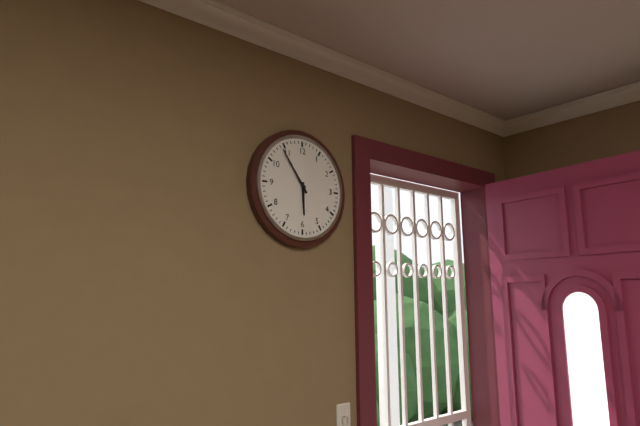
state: 5:54
